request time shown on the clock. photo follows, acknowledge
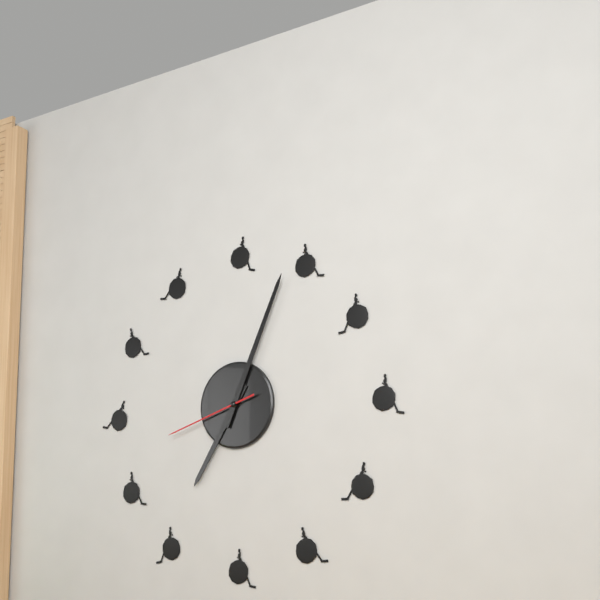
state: 7:04:42
